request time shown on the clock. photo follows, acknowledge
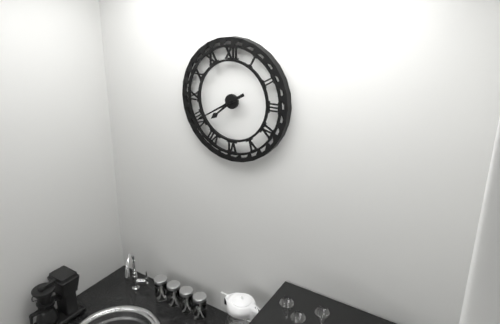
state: 7:40
